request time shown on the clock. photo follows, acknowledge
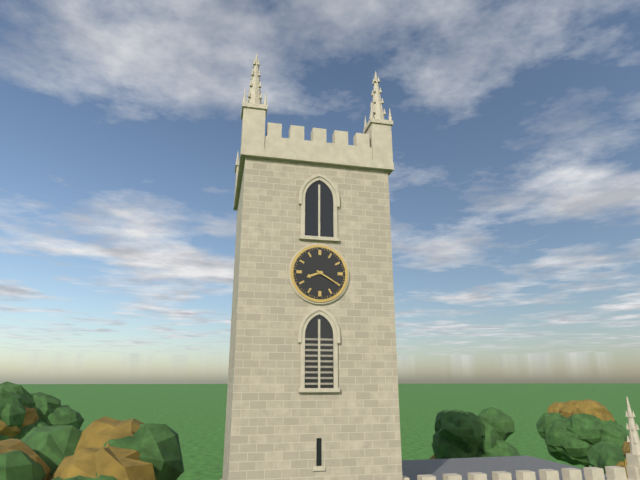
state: 8:20
